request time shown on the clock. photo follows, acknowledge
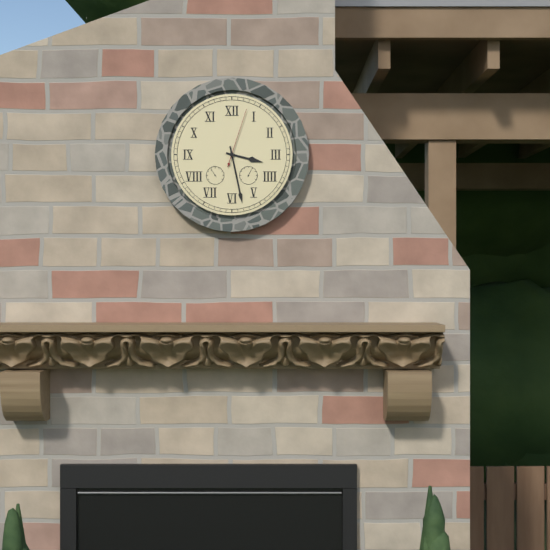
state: 3:28:03
